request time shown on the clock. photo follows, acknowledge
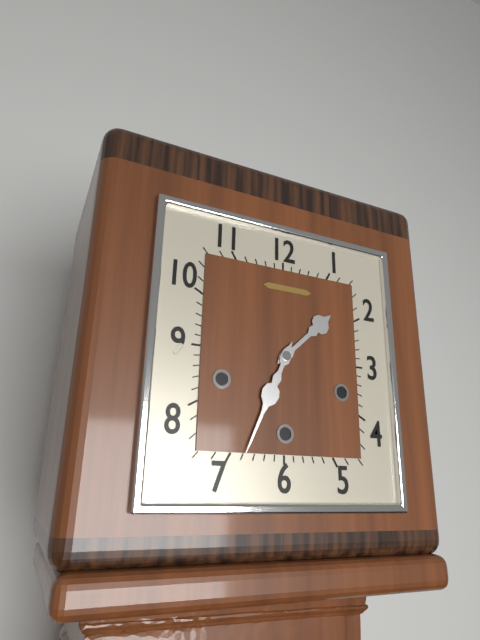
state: 1:34
